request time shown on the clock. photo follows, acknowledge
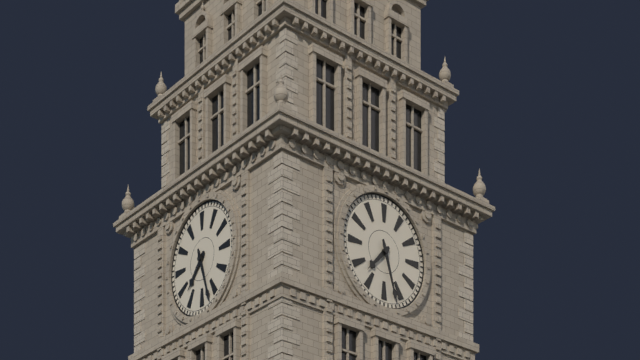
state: 7:27
